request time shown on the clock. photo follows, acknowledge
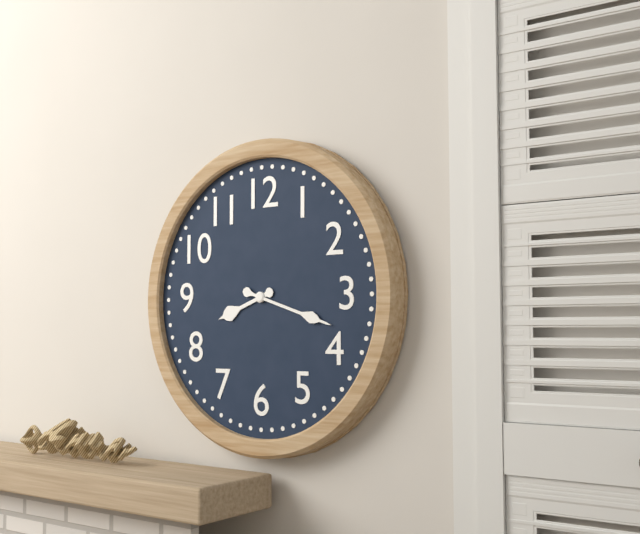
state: 8:18
